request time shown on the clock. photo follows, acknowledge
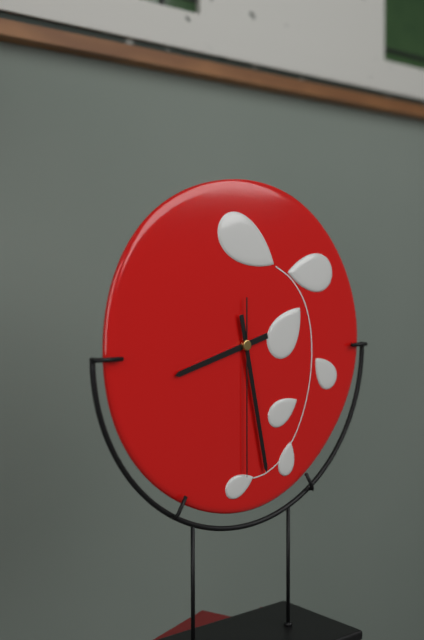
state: 8:28:30
